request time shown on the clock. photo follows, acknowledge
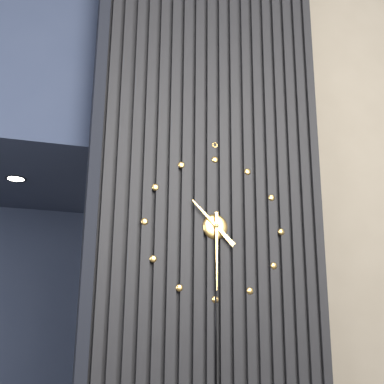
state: 10:30
